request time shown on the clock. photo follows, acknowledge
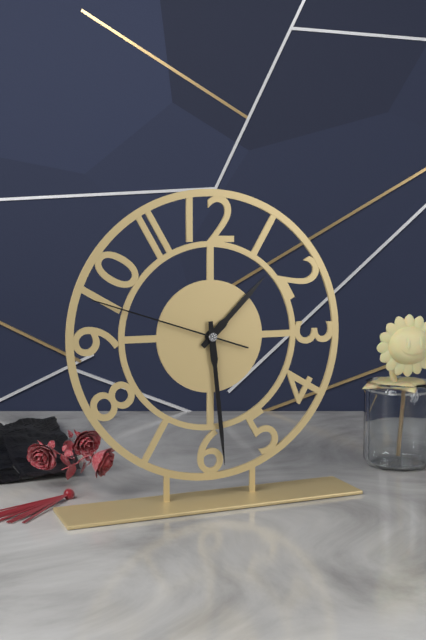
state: 1:29:48
